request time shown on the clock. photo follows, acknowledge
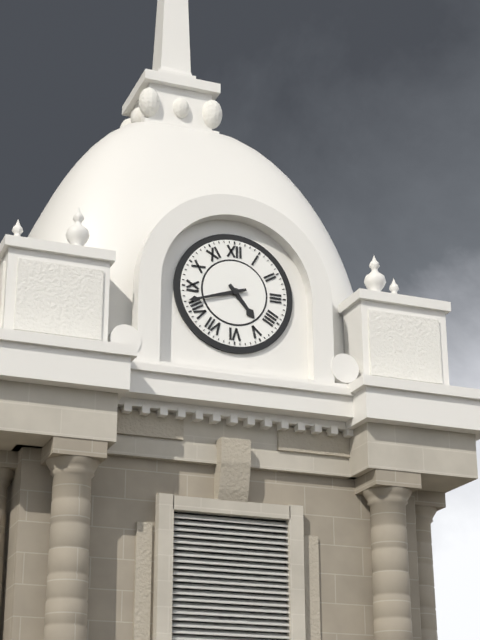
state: 4:42
